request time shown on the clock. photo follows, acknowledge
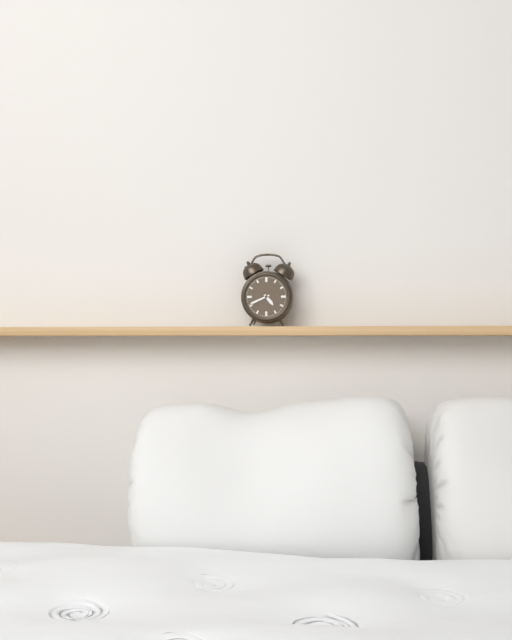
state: 4:41
